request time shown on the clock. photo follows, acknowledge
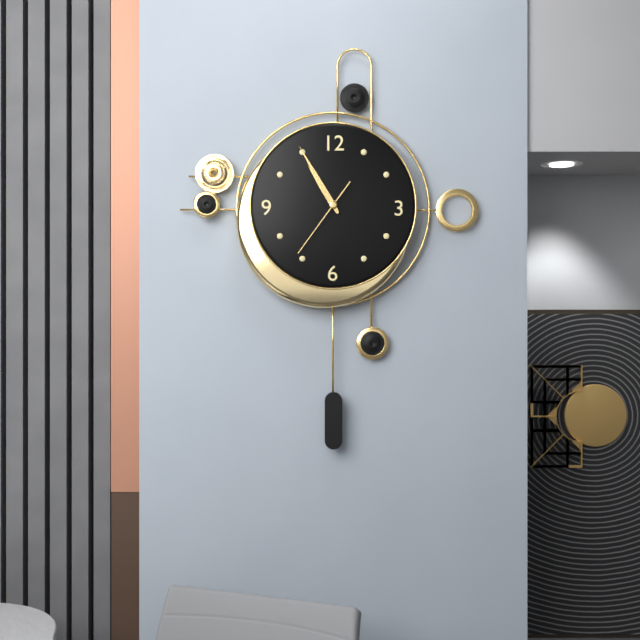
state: 10:55:36
